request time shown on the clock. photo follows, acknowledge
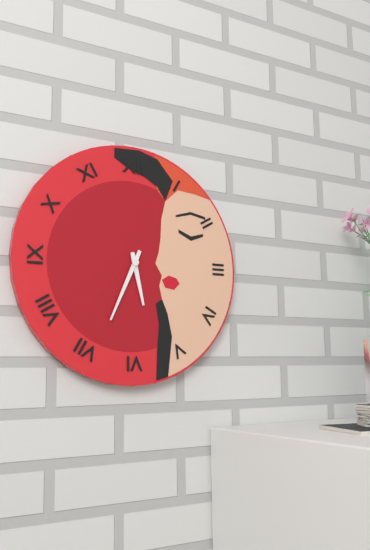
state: 5:34
